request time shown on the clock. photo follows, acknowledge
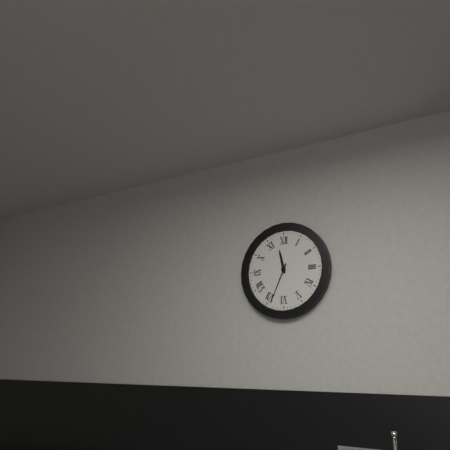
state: 11:34
